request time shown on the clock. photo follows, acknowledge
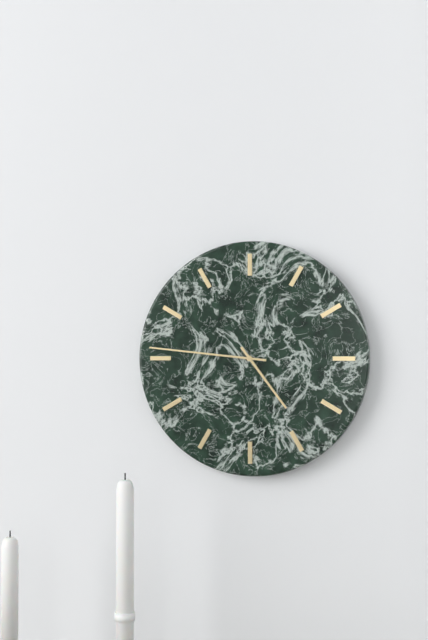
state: 4:46
